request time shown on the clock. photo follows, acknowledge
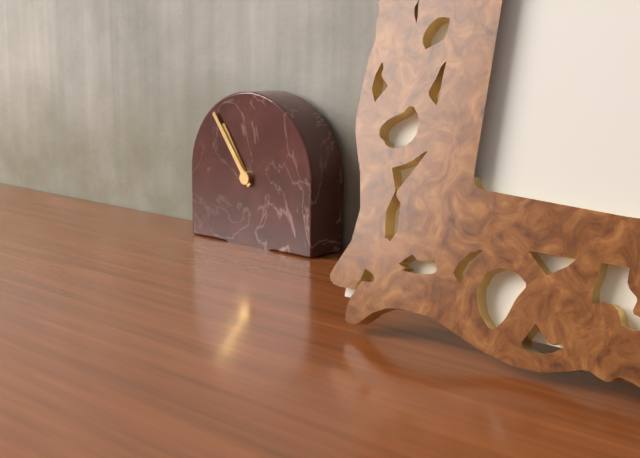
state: 10:54
